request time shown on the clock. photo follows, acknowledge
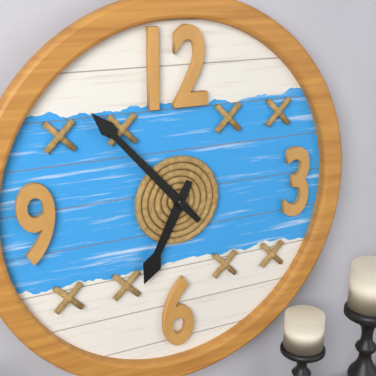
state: 6:53
